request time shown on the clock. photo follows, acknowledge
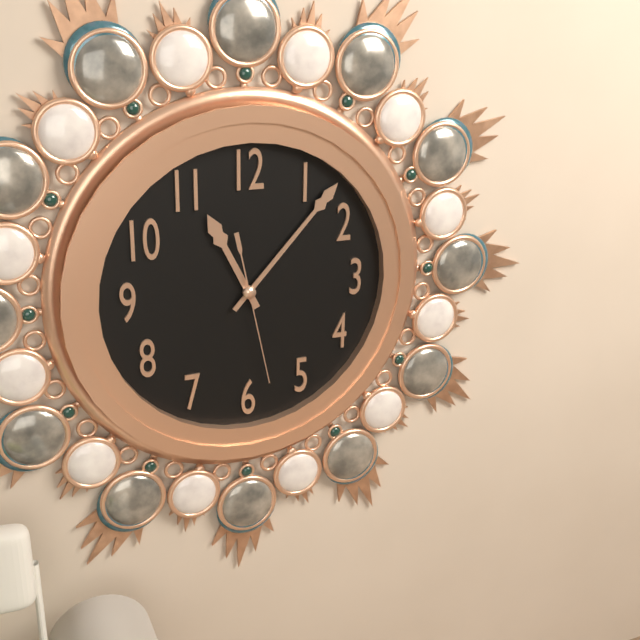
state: 11:07:28
